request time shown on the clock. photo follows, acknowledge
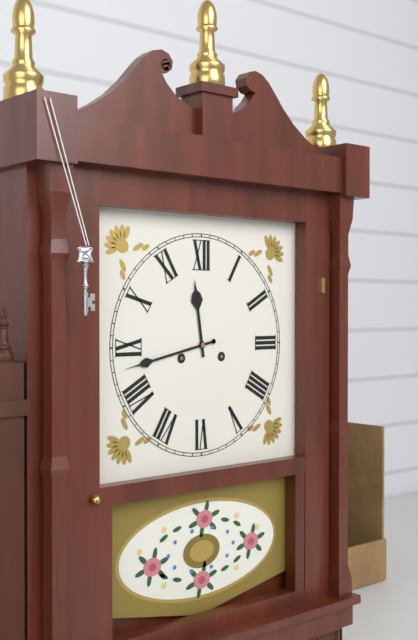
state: 11:43
